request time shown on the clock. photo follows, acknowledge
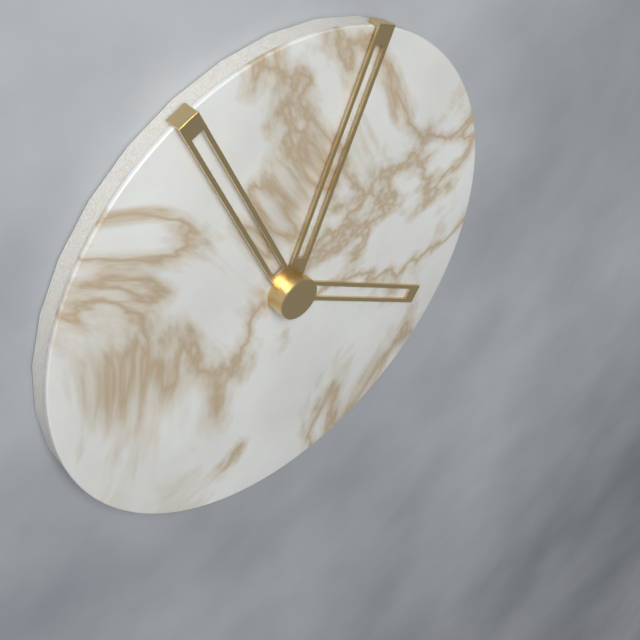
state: 4:04:56
